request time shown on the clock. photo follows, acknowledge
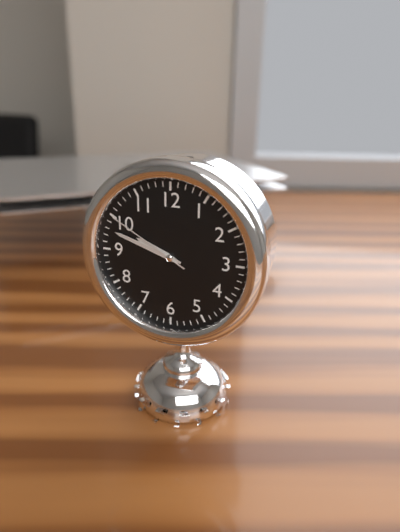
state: 9:48:50
